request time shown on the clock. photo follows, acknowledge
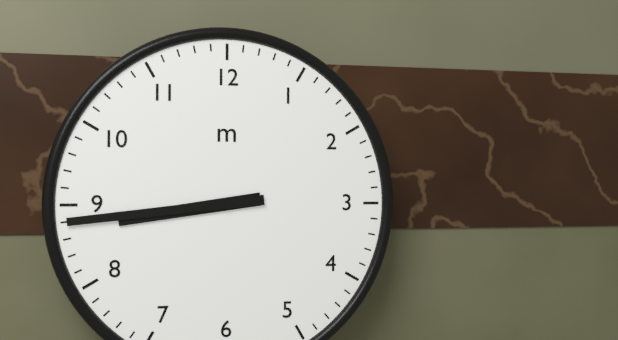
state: 8:44
